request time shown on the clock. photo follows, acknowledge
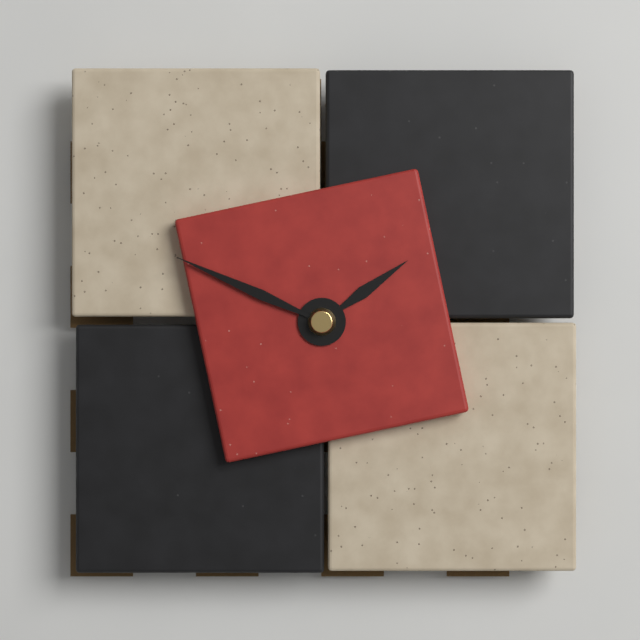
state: 1:49
